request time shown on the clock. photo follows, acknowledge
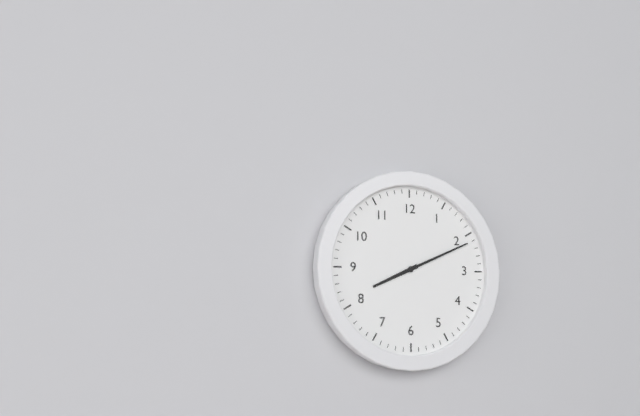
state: 8:11
